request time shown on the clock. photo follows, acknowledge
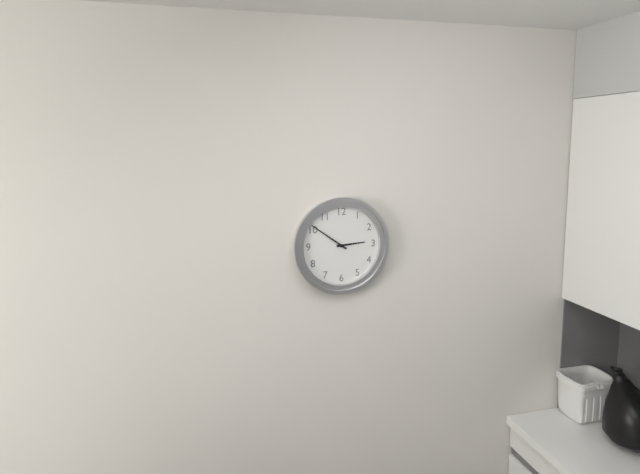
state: 2:51
